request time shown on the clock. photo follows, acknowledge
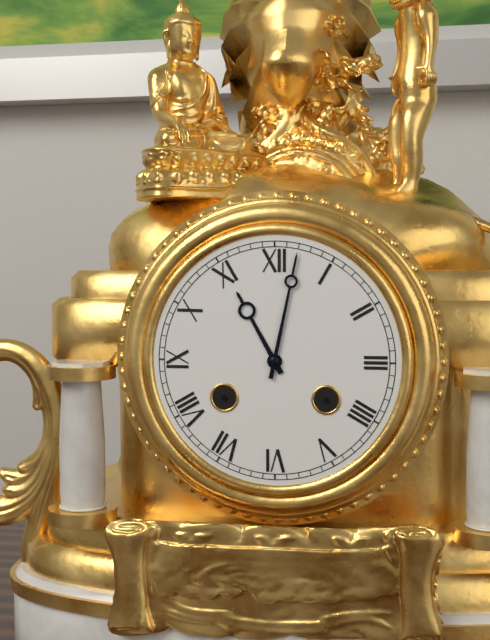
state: 11:02
